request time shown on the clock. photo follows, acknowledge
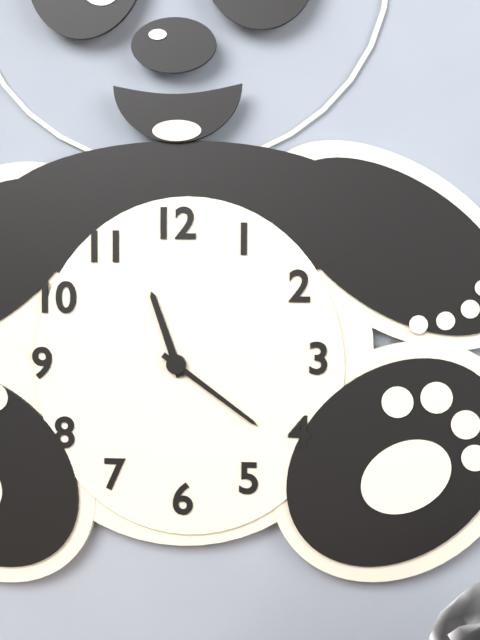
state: 11:21
